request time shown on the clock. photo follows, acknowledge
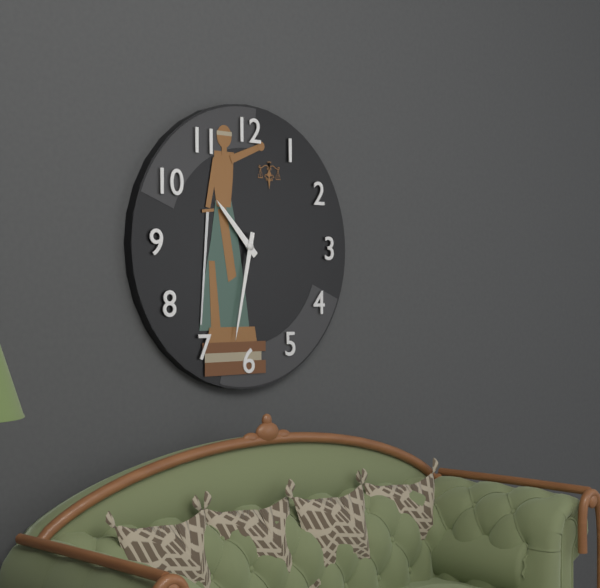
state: 10:32
